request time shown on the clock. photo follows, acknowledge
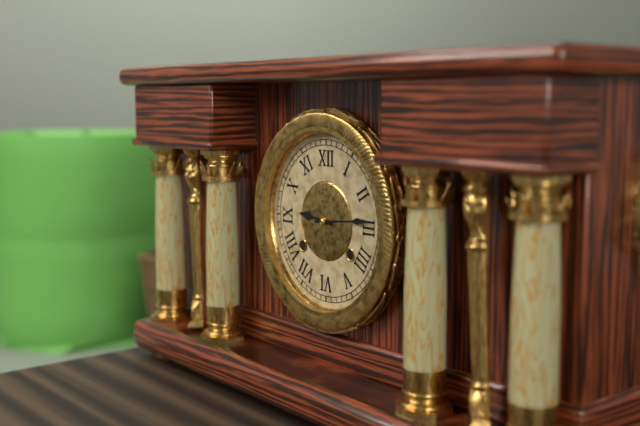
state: 9:14
